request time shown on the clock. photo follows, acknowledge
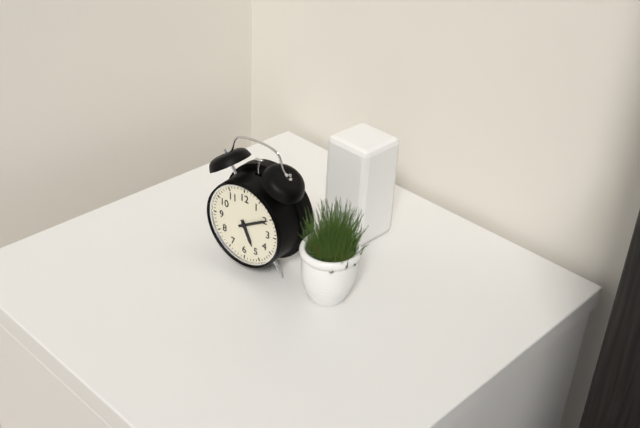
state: 5:10
